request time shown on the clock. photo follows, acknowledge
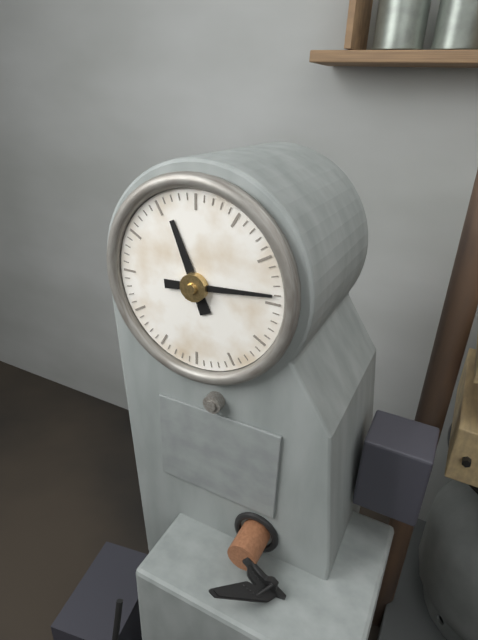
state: 11:14
